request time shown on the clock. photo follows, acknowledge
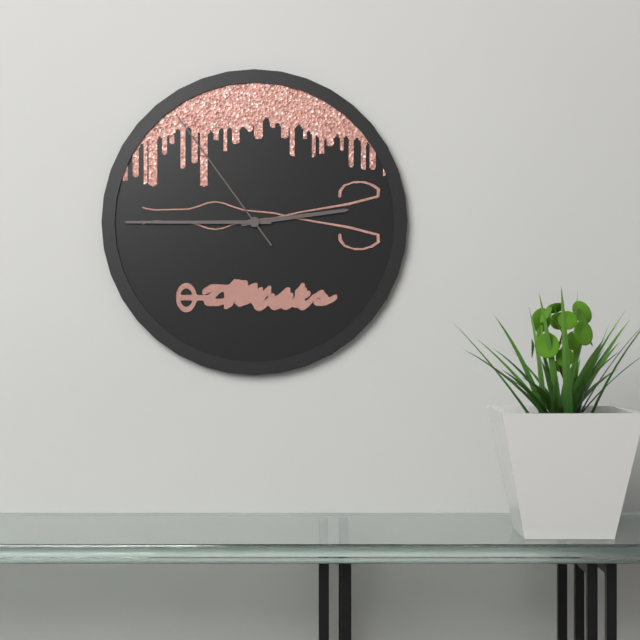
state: 2:45:54
